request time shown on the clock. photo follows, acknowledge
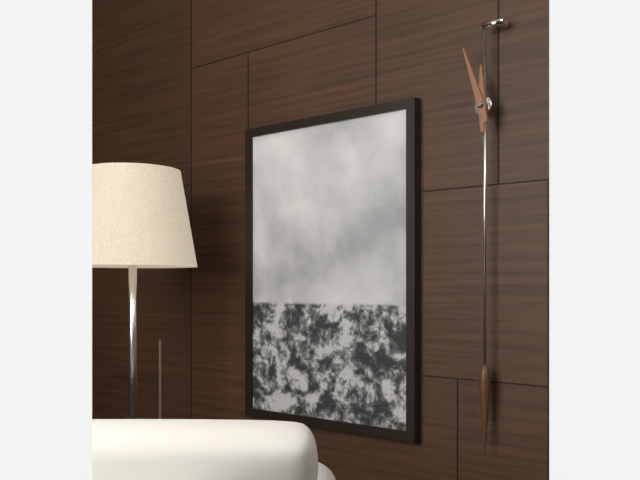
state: 11:57
